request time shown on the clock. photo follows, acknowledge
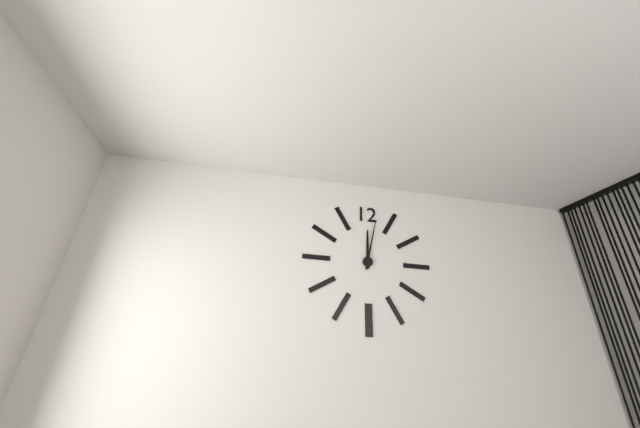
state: 12:02
